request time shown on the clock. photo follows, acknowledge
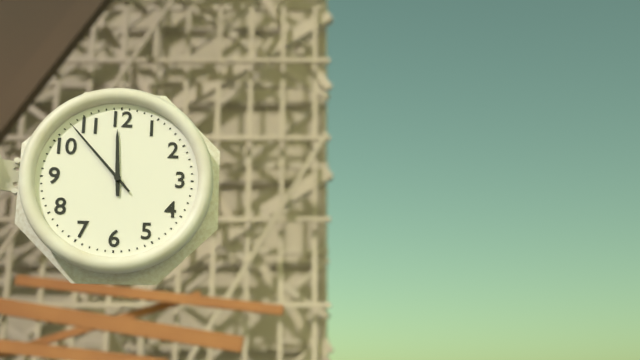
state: 11:53
